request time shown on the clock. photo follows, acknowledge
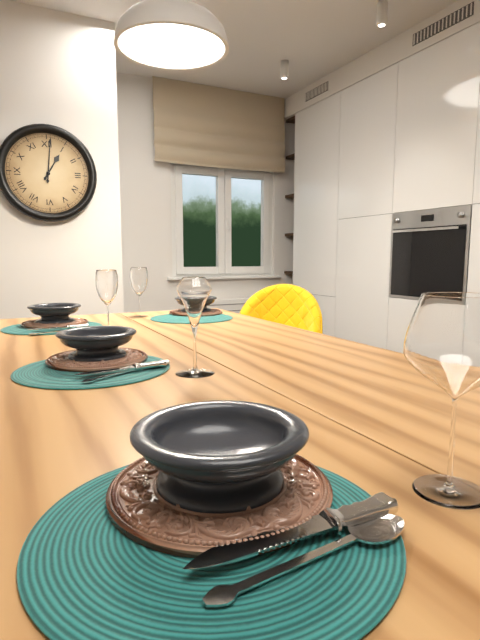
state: 1:01
